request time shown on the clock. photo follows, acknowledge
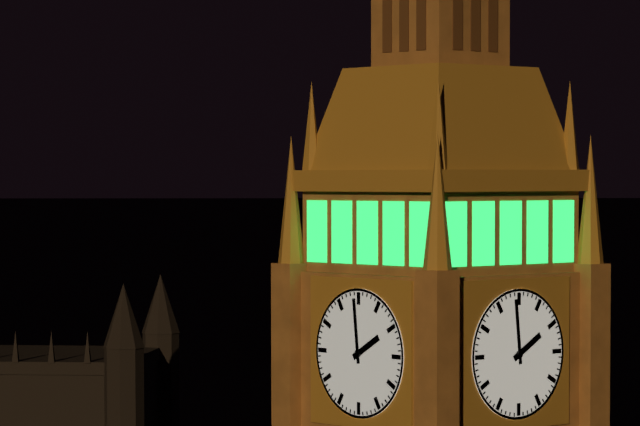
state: 1:59
